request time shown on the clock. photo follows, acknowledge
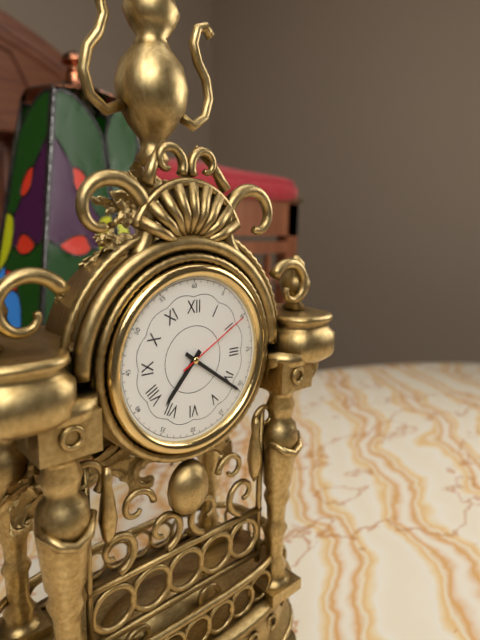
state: 7:21:10
